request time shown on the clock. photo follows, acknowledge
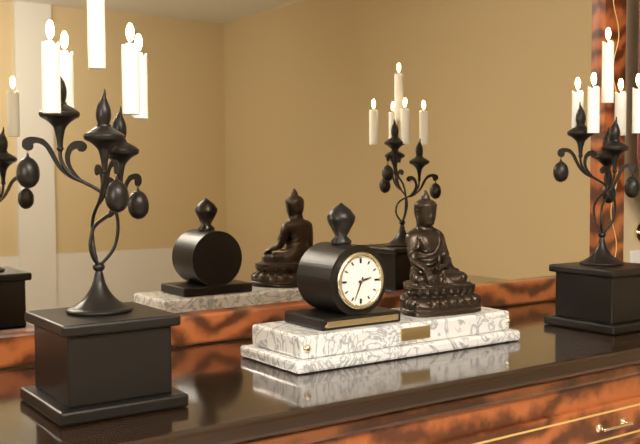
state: 2:34
